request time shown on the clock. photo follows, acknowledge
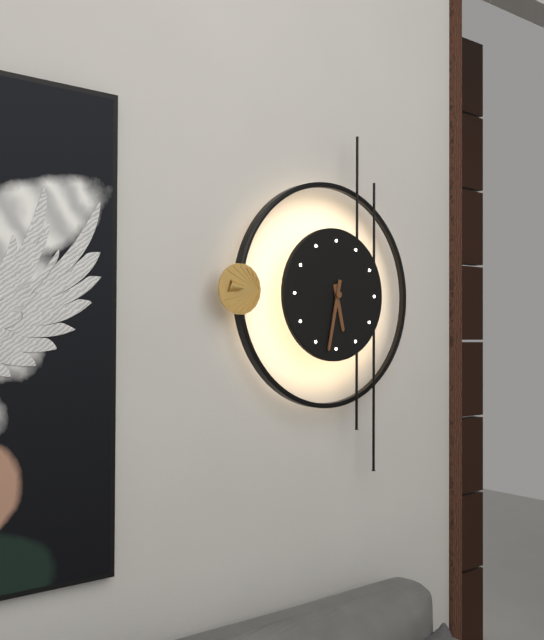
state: 5:32
